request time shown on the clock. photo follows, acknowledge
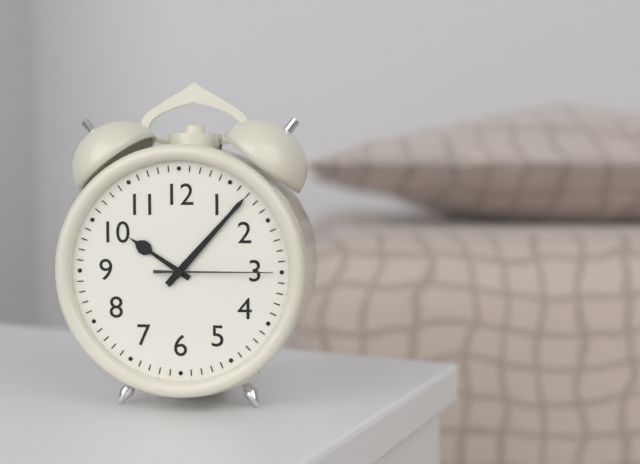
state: 10:07:15
